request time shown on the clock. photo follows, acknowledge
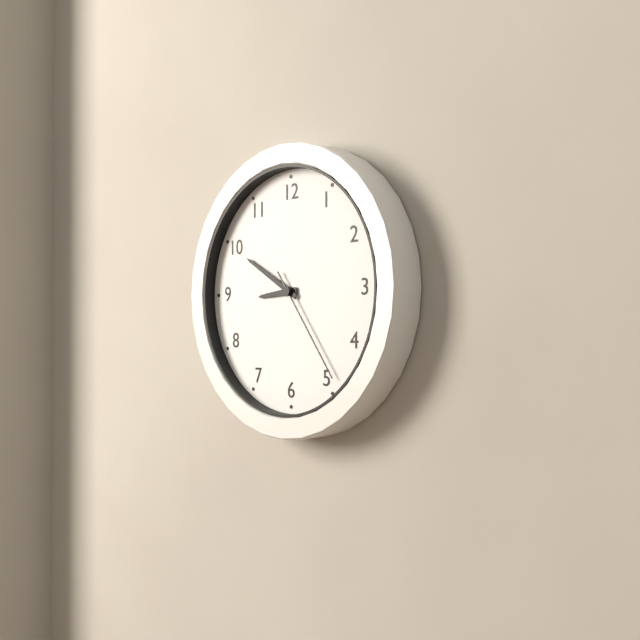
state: 8:50:24
